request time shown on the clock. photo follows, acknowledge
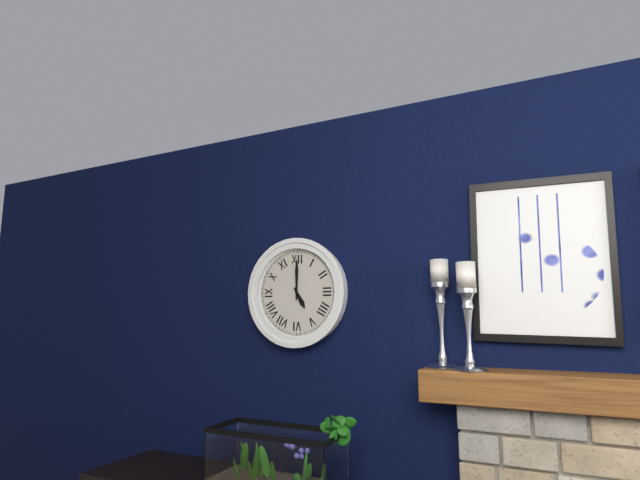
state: 5:00
